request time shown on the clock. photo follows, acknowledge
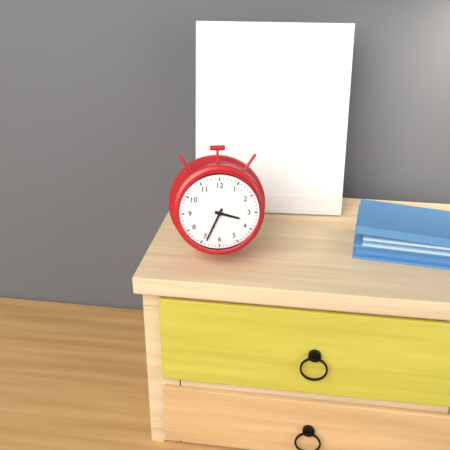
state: 3:34
